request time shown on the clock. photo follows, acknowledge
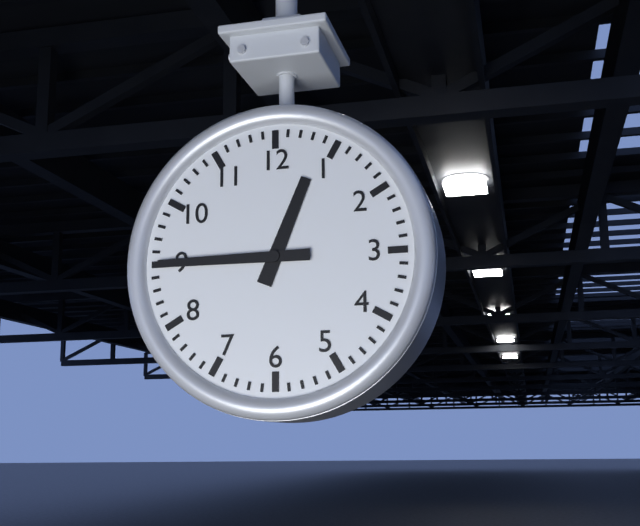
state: 12:45
